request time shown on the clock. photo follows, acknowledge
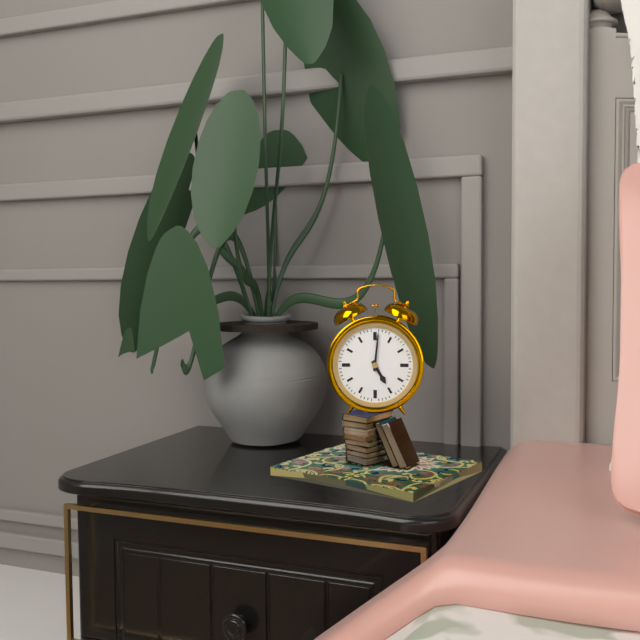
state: 5:01
